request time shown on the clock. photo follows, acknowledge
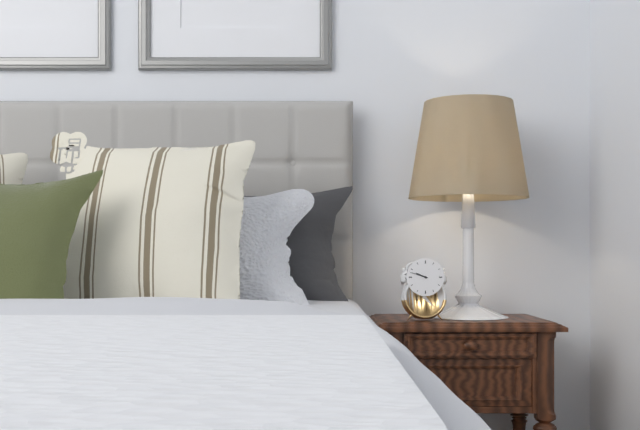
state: 9:48
